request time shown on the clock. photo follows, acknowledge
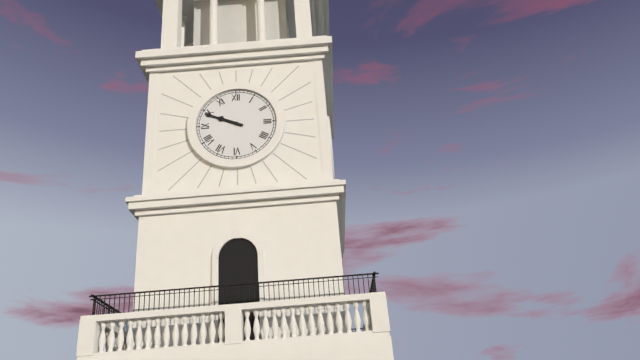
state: 9:49
